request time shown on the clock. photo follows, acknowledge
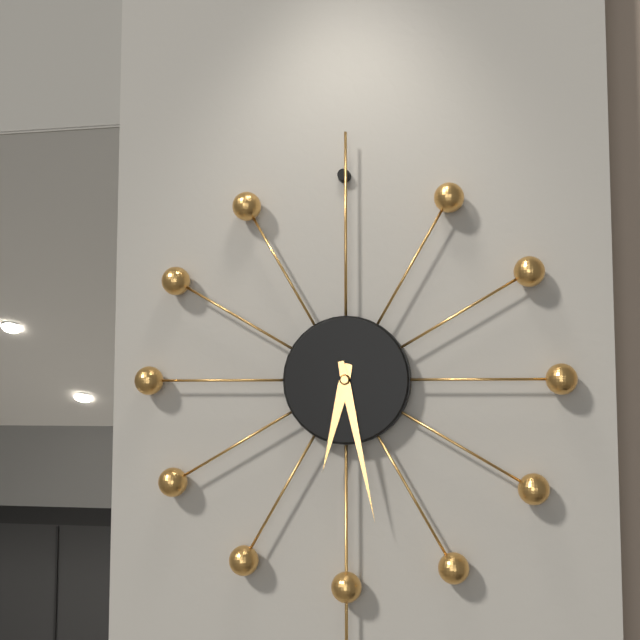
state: 6:28
